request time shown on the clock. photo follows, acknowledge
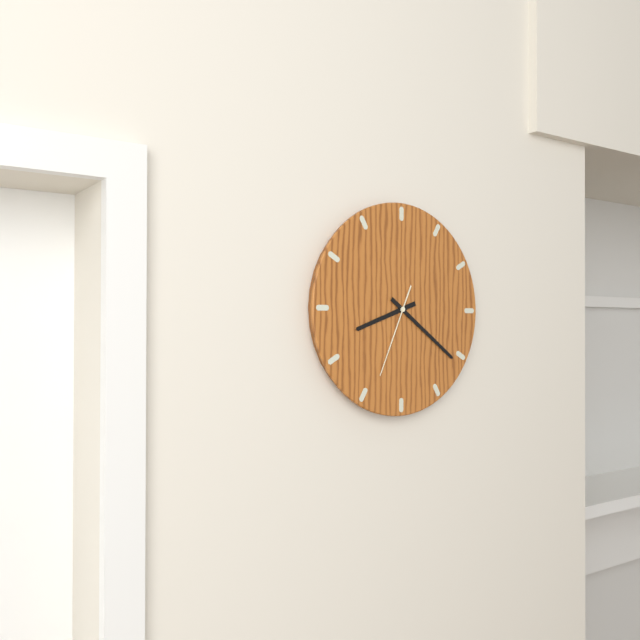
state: 8:21:34
